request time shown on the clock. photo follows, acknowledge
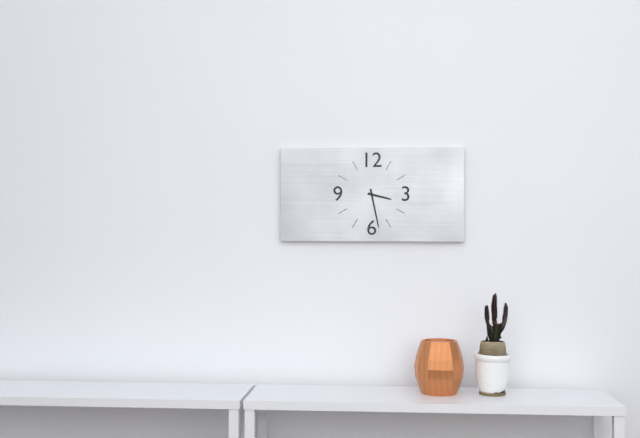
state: 3:28
